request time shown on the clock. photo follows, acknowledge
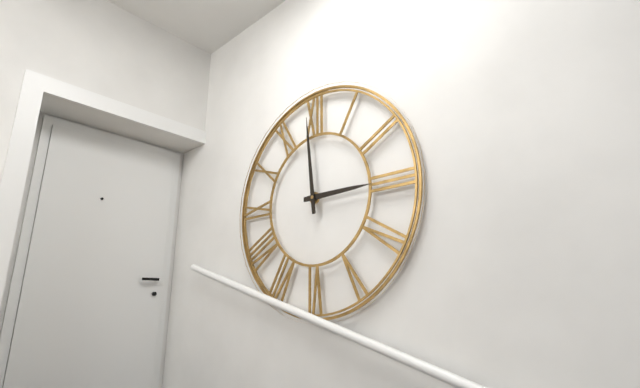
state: 2:59
